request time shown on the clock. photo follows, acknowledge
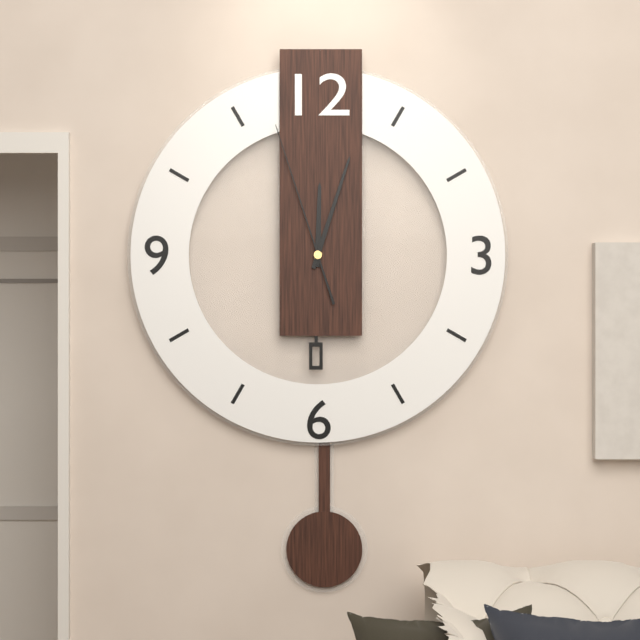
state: 12:03:57
